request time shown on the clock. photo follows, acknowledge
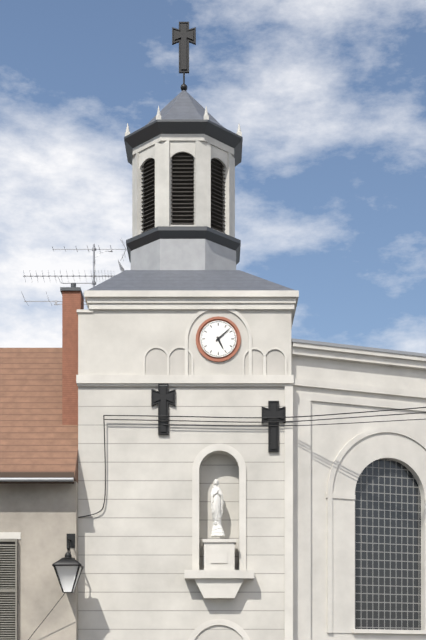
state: 5:08
